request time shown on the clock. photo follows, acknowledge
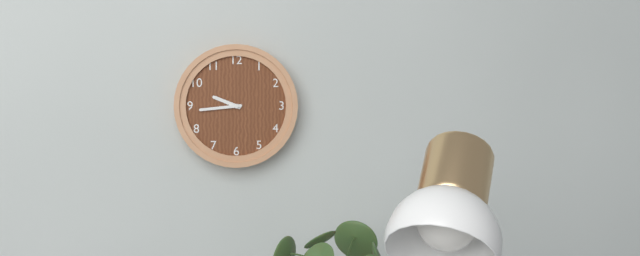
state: 9:44
